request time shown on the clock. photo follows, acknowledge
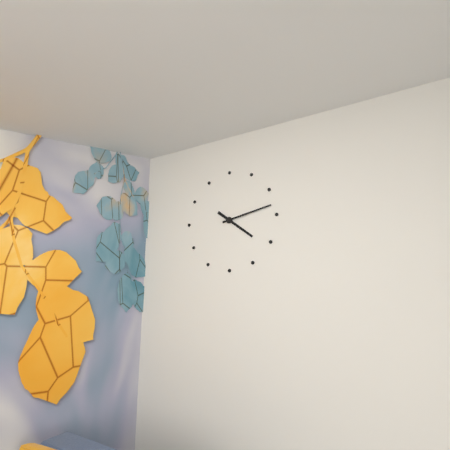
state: 4:13
